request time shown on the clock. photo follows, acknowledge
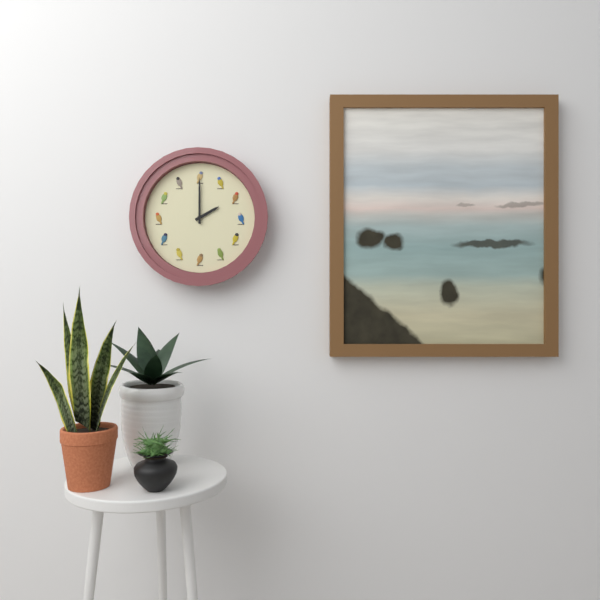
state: 2:00
